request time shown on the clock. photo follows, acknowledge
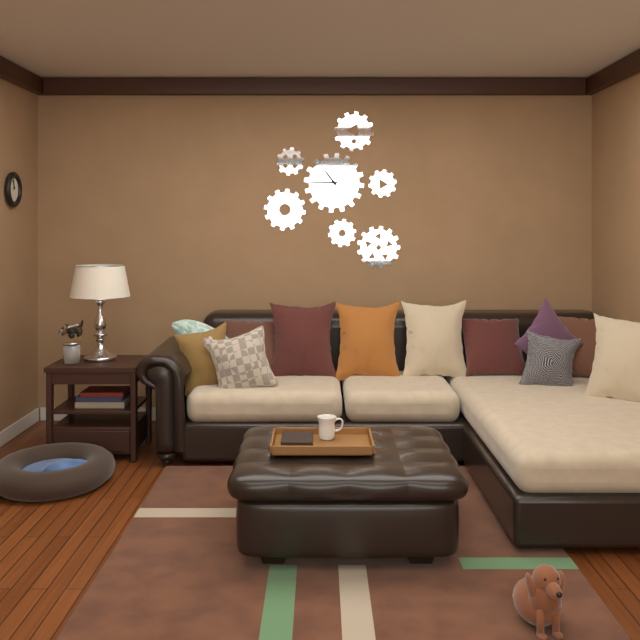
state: 10:45
